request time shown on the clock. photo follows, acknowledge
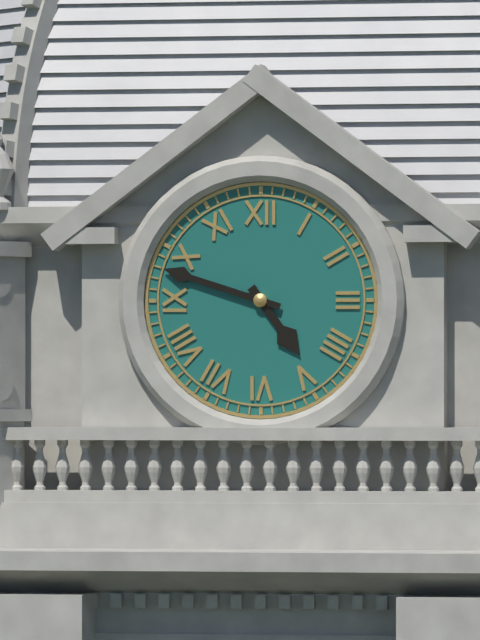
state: 4:48
